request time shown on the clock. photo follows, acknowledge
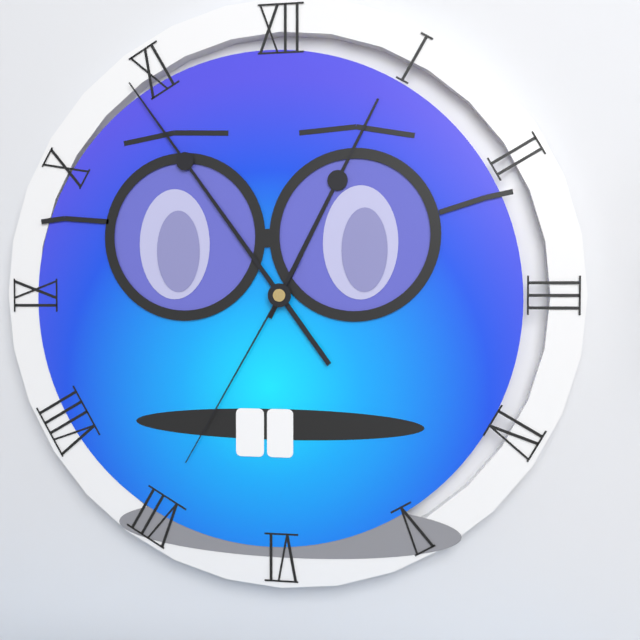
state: 12:54:35
